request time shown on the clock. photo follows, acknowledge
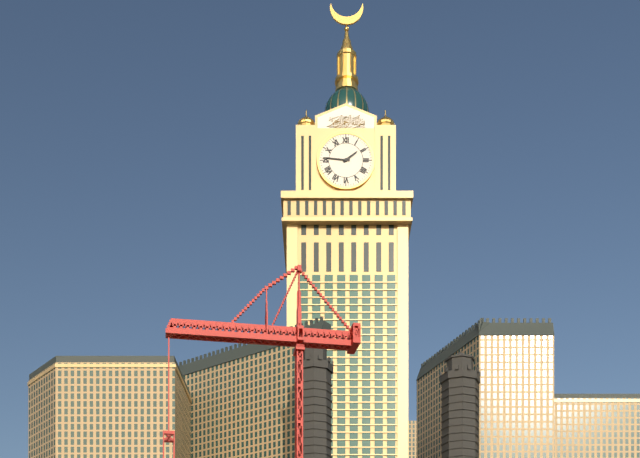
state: 1:46
